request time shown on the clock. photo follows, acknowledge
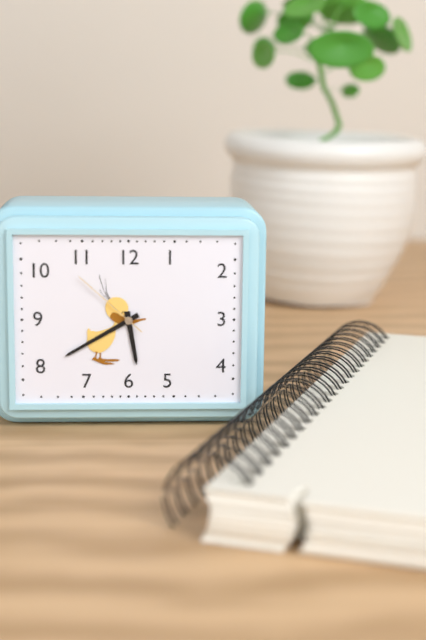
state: 5:40:52
